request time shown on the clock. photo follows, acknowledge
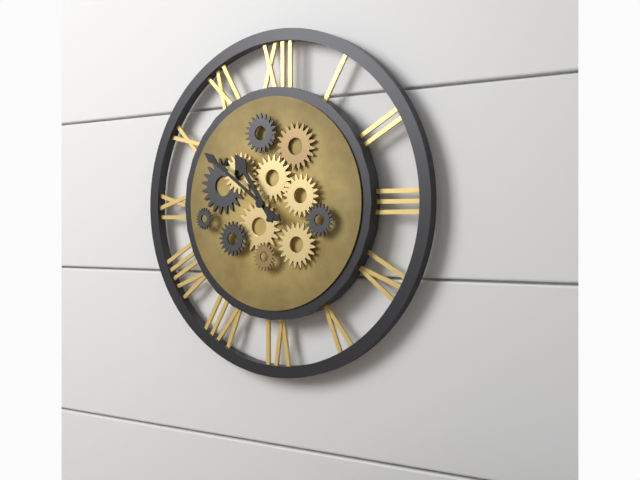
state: 10:51
